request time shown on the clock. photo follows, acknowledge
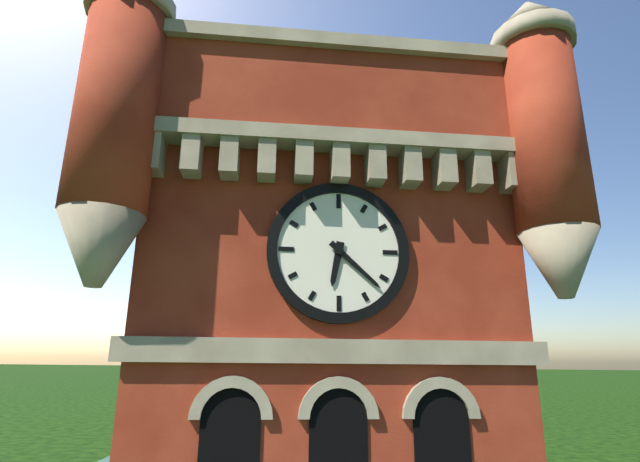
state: 6:22
